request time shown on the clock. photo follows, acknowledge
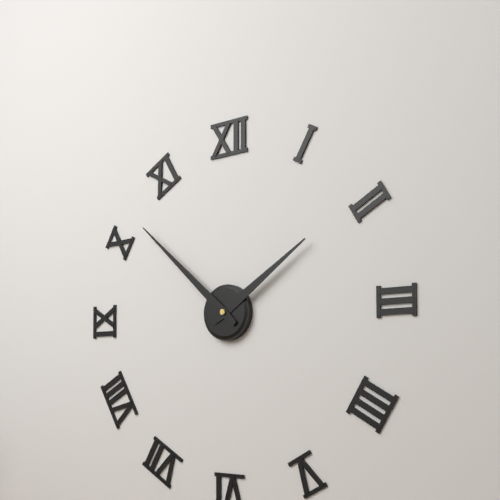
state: 1:52
